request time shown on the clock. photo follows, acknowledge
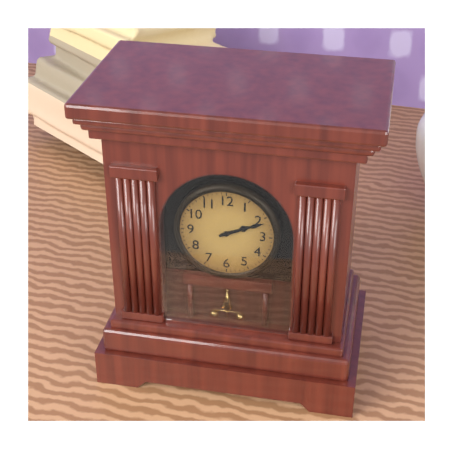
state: 2:11
